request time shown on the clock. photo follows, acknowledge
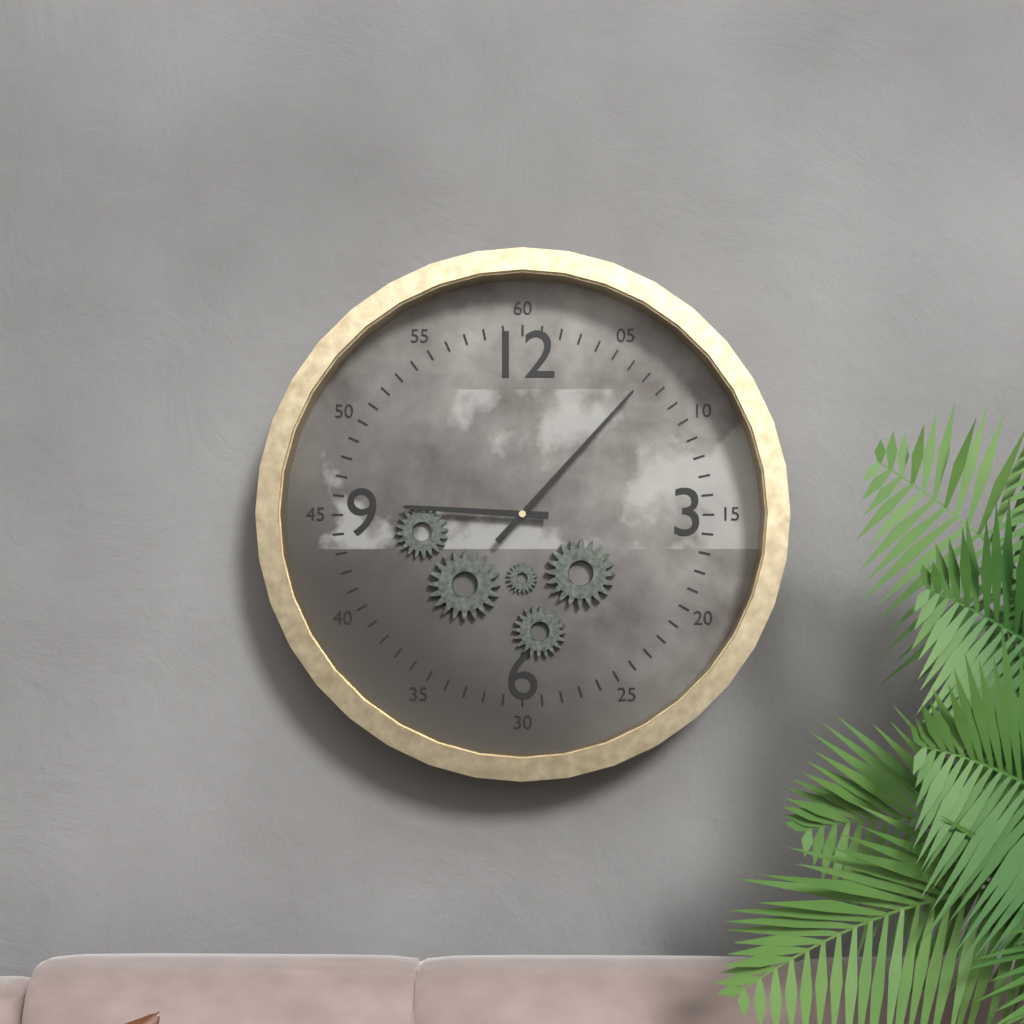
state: 9:07
